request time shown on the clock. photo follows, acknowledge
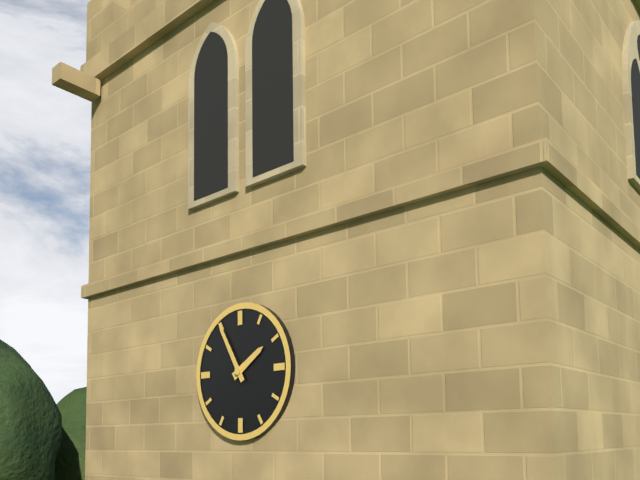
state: 1:55
